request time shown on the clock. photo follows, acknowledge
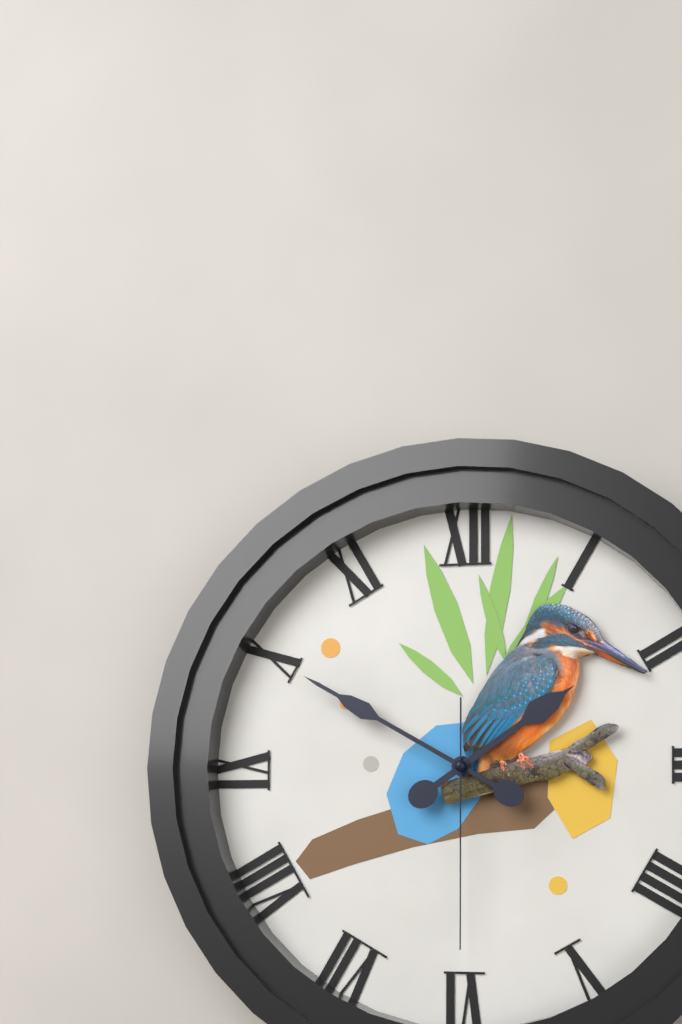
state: 1:50:30
